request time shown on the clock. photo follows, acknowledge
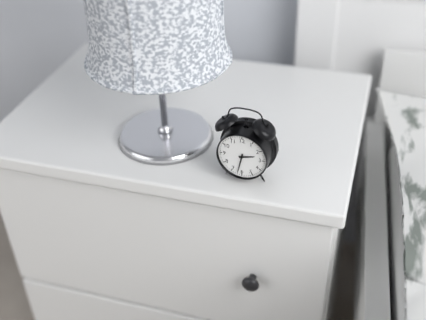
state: 2:32
